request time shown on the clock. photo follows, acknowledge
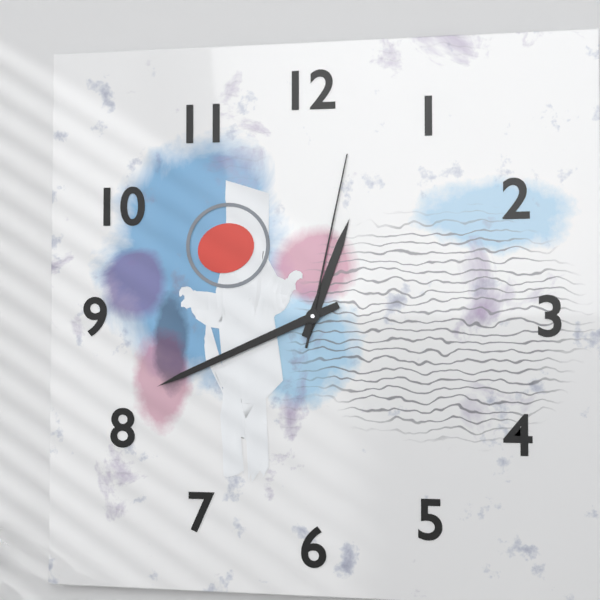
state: 12:41:02
